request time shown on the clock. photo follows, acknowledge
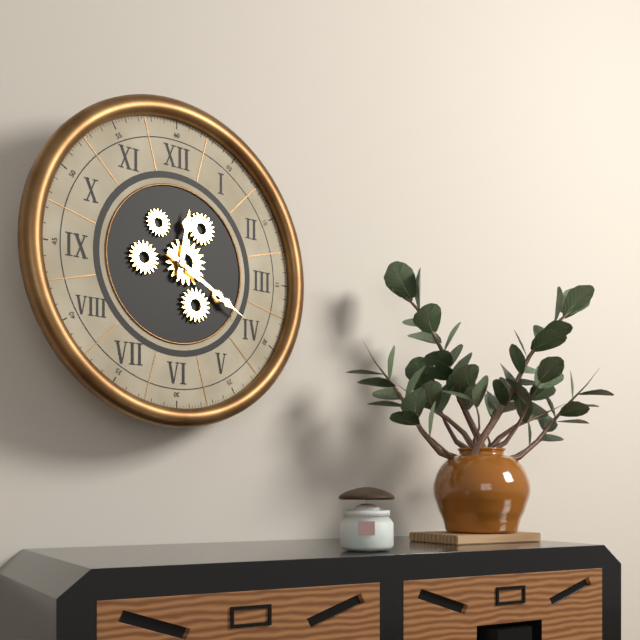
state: 12:20
